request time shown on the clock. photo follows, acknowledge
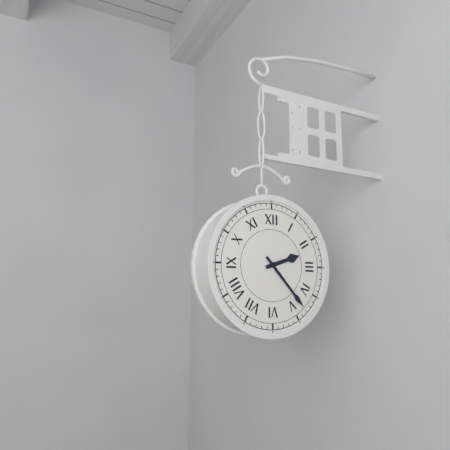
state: 2:23
